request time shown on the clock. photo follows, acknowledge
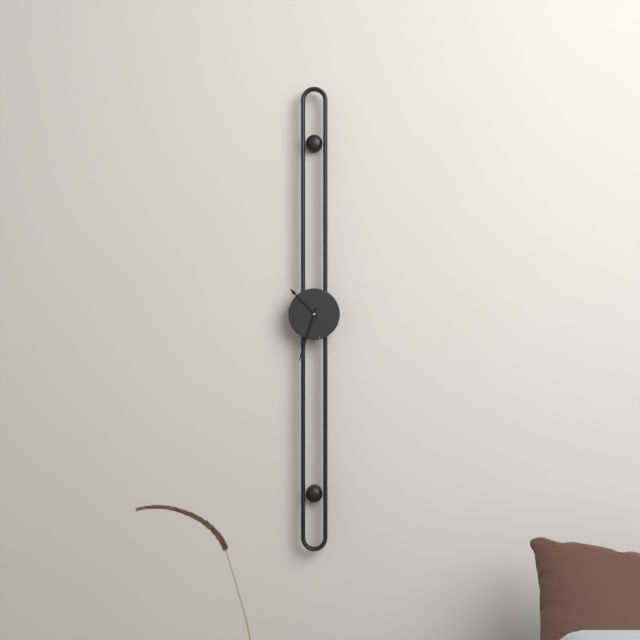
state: 10:33
